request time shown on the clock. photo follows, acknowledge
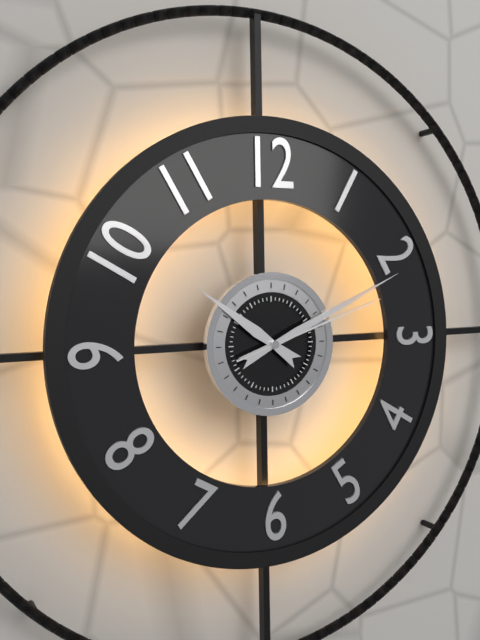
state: 10:11:12
